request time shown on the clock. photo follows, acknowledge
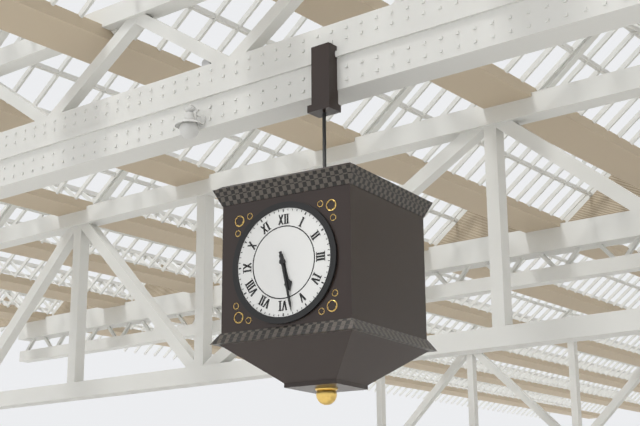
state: 5:28
